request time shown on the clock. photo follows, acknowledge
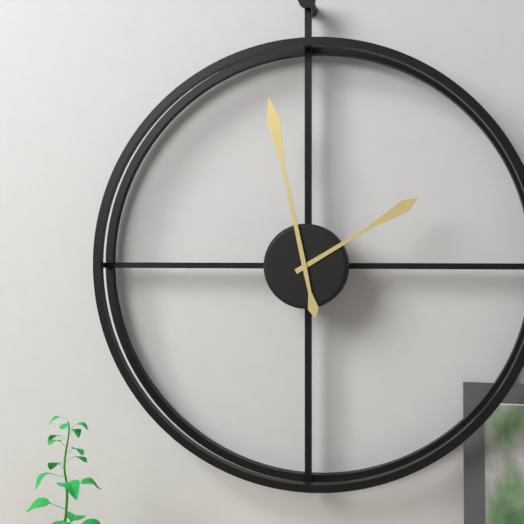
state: 1:58
